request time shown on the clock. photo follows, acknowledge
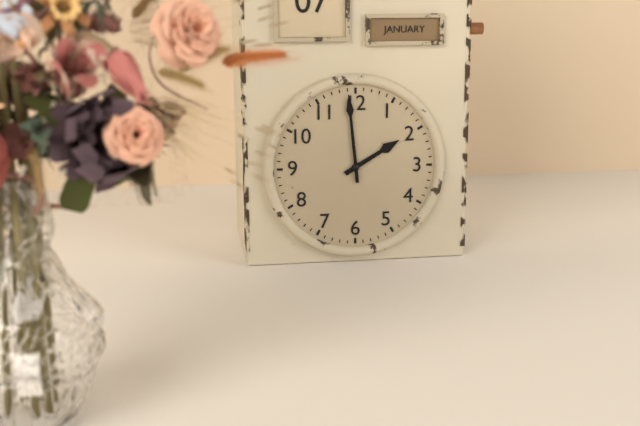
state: 1:59
